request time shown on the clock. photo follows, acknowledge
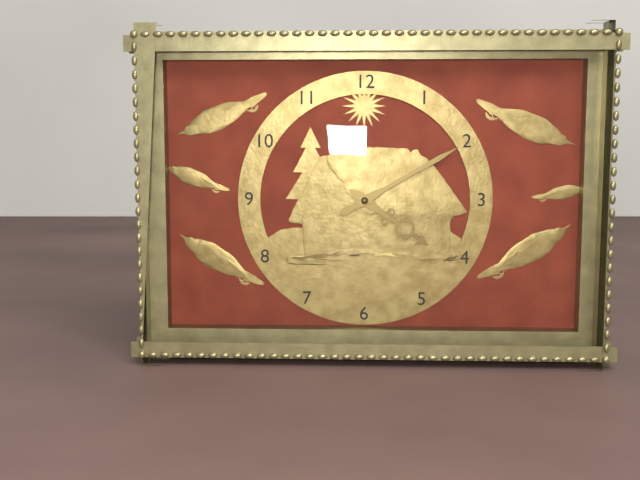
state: 4:10
